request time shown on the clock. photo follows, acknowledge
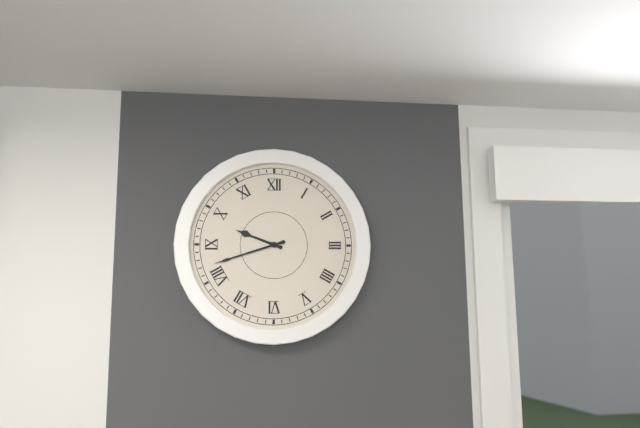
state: 9:42
